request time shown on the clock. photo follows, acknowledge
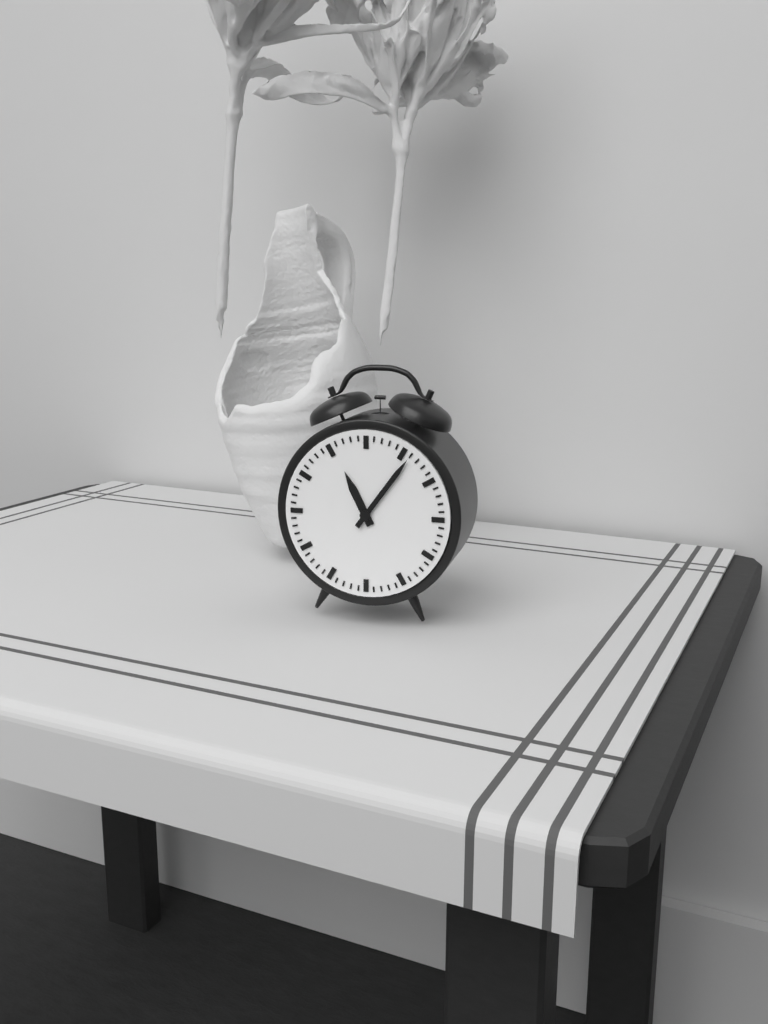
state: 11:06
